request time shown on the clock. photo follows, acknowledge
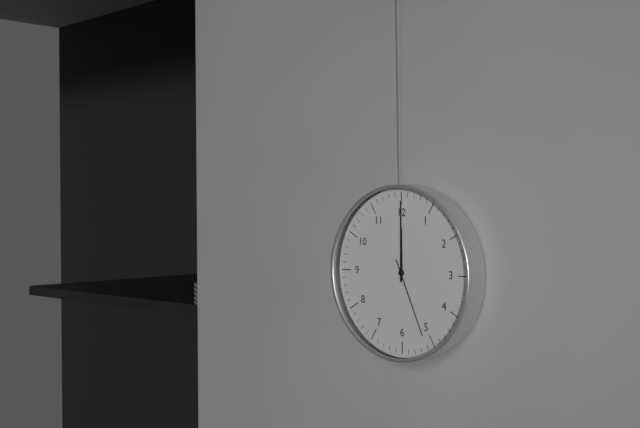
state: 12:00:26
